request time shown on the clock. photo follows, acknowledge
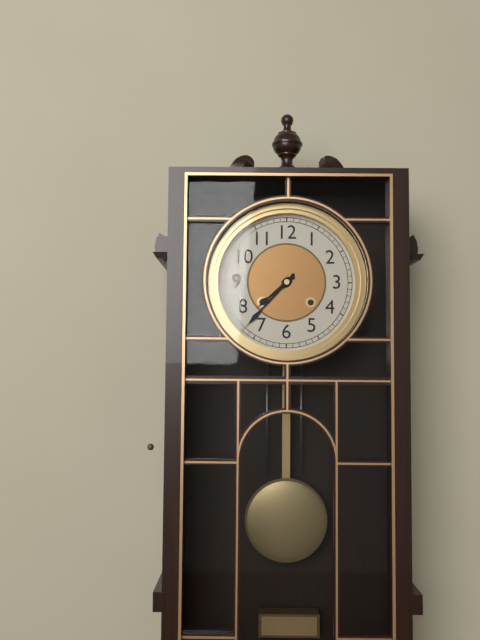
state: 7:37
